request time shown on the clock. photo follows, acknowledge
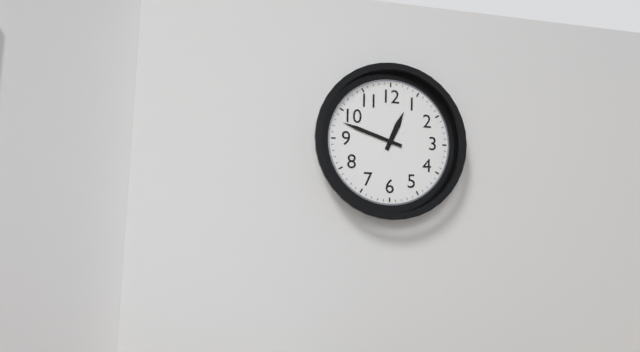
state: 12:48
